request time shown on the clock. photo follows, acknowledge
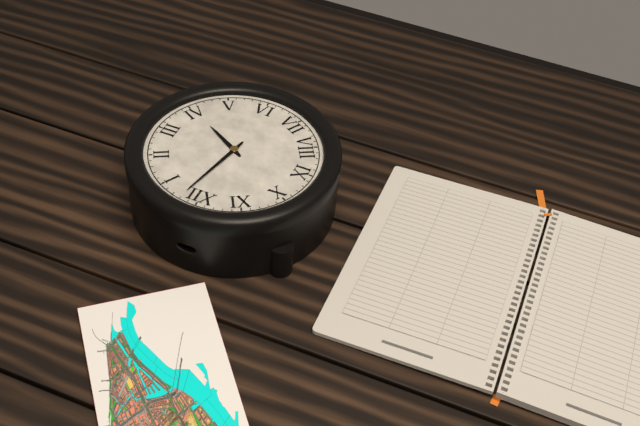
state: 4:02
